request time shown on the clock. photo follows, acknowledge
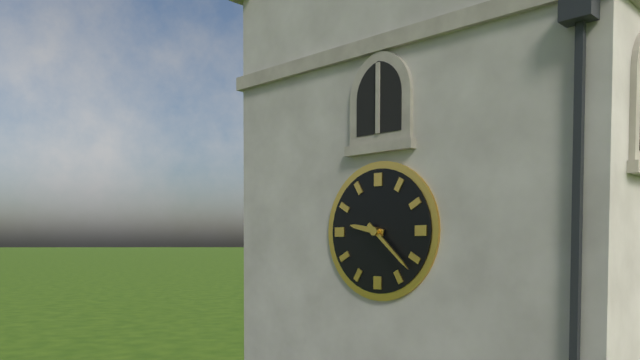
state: 9:22
